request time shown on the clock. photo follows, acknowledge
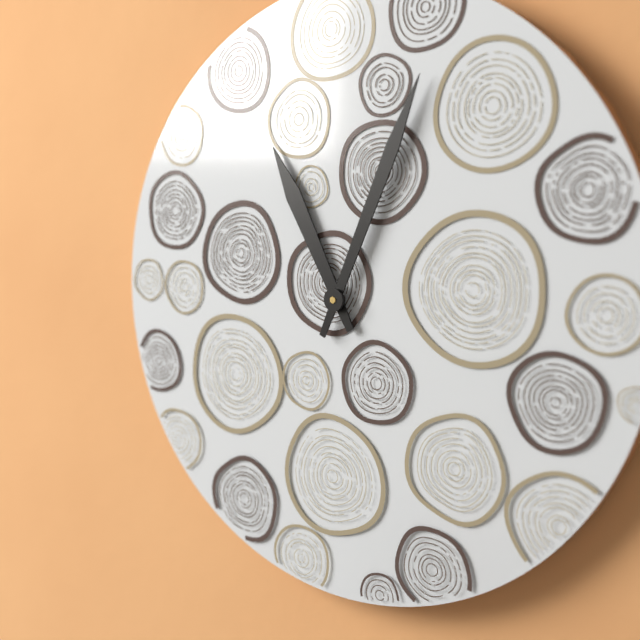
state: 11:04
